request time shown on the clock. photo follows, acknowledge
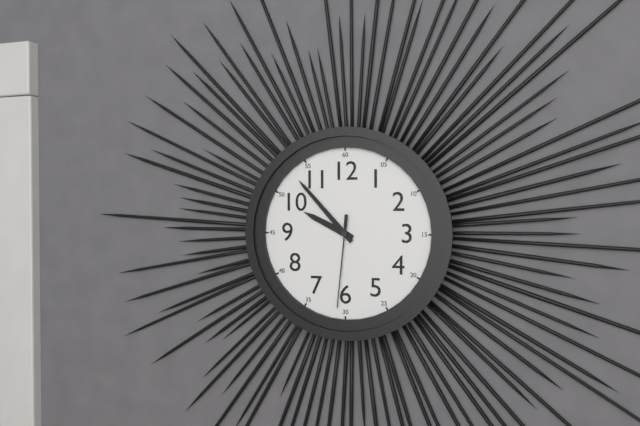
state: 9:53:31
